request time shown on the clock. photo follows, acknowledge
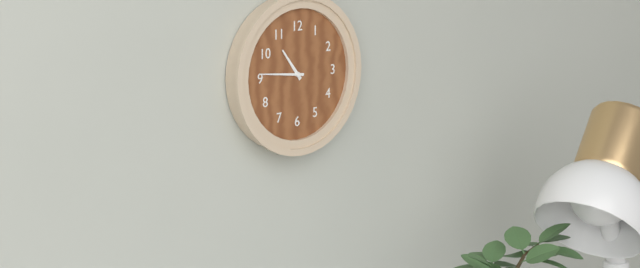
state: 10:46
